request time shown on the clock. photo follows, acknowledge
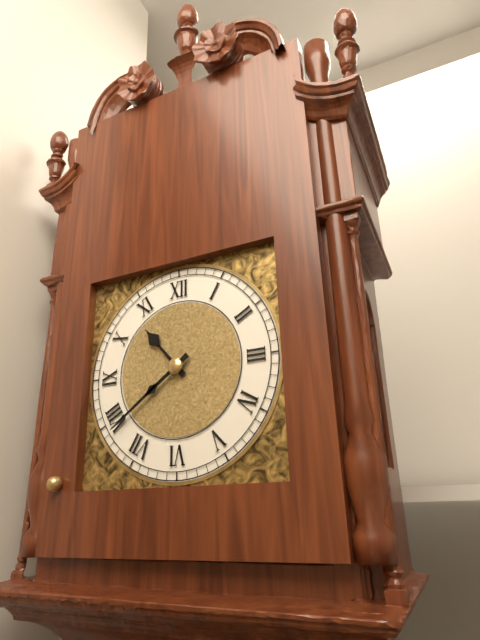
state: 10:39
